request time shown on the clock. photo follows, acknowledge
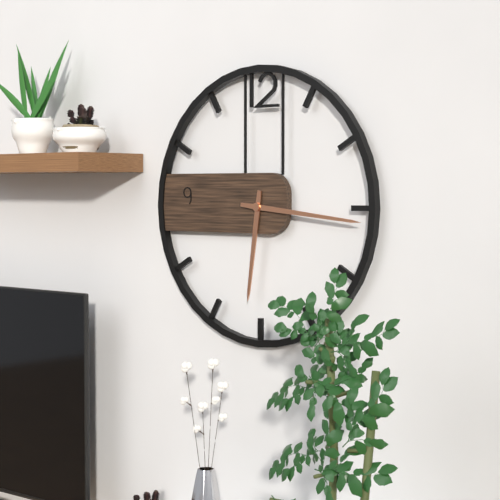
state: 6:16
